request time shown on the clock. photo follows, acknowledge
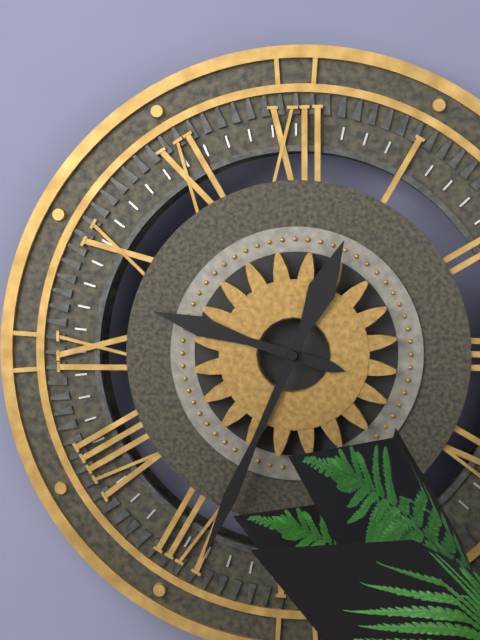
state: 9:34
